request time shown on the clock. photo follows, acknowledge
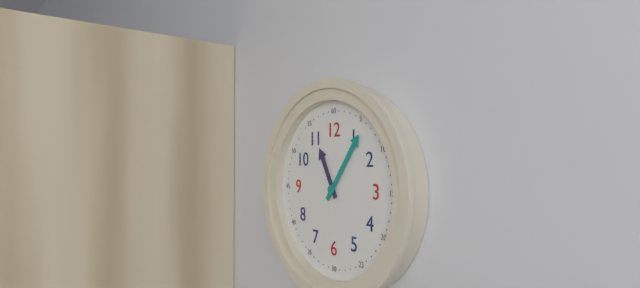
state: 11:06
